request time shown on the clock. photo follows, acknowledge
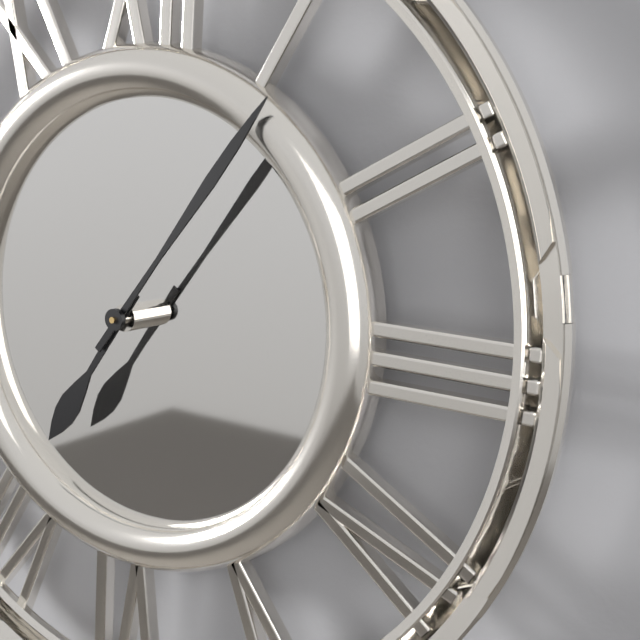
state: 7:06
